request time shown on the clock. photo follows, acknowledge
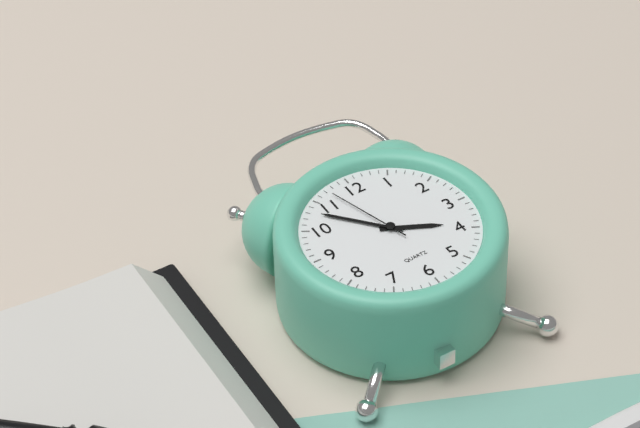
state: 3:53:57
